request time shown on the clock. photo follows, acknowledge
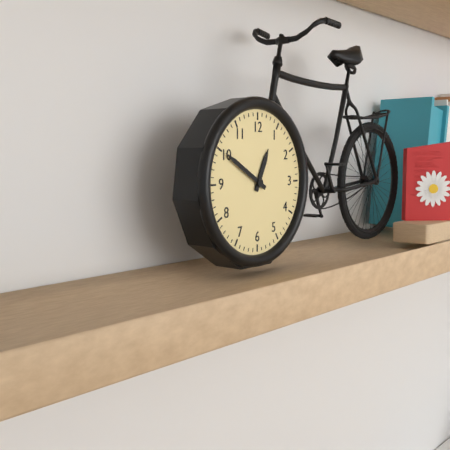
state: 12:50
